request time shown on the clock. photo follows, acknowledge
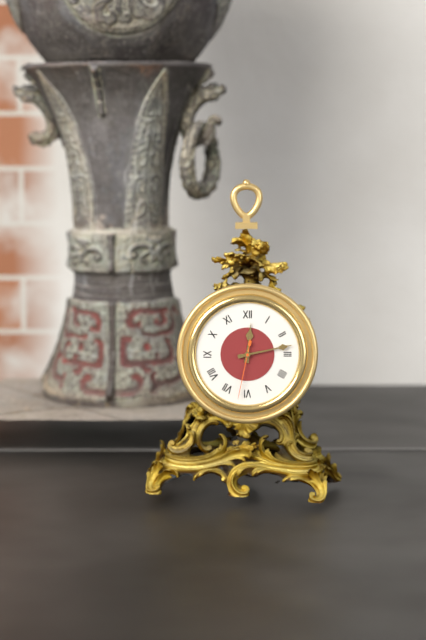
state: 12:13:32
